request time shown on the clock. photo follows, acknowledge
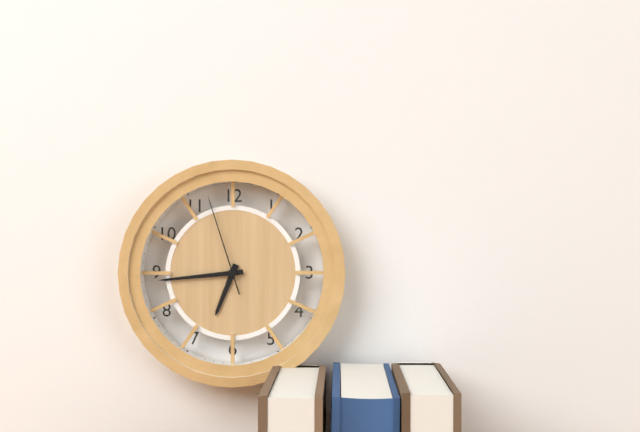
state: 6:44:57
